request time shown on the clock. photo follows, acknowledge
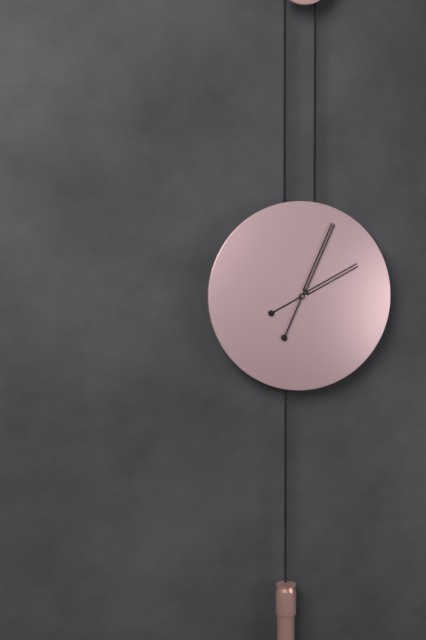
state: 2:04
